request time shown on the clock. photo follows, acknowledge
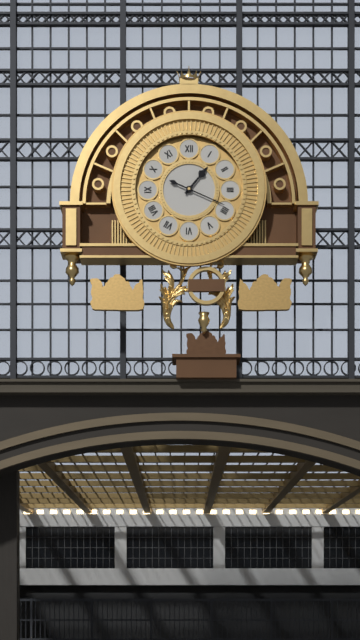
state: 1:19
